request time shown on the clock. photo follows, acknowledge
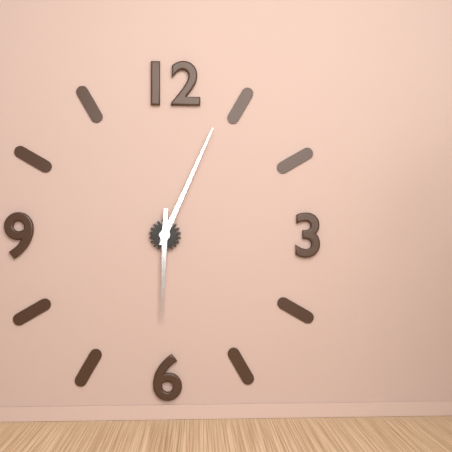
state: 6:04
